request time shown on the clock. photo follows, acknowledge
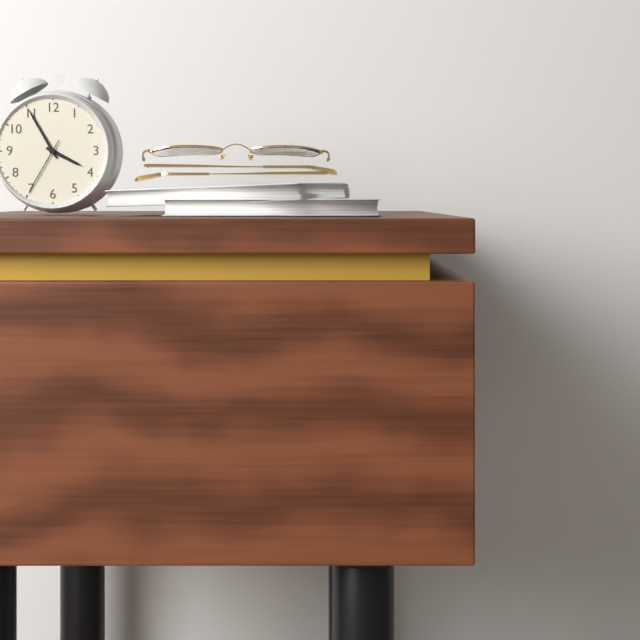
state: 3:55:35
